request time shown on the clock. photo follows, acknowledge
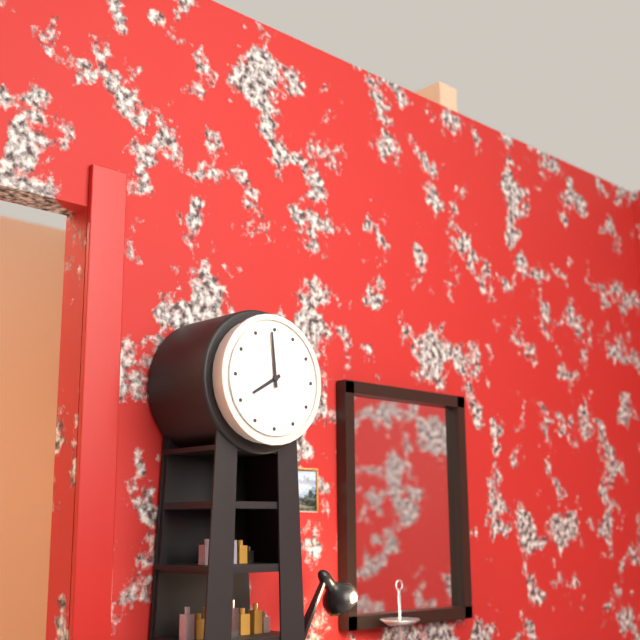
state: 7:59
